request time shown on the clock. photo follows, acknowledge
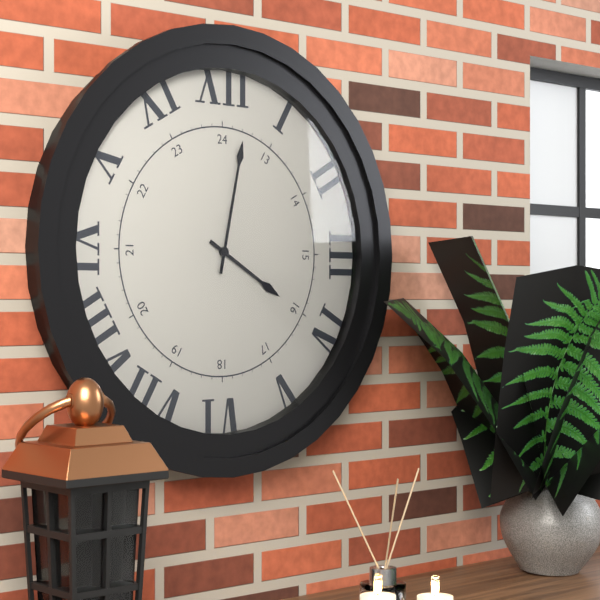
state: 4:02
